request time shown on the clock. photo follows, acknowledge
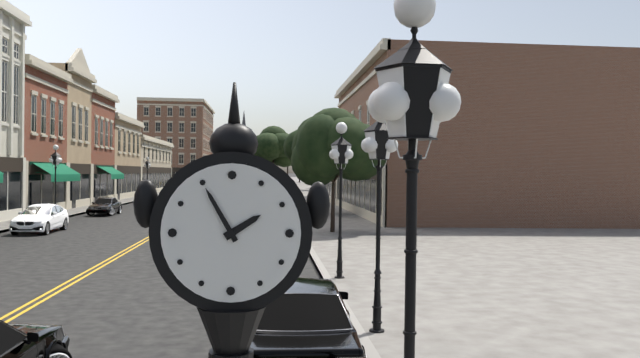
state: 1:55
